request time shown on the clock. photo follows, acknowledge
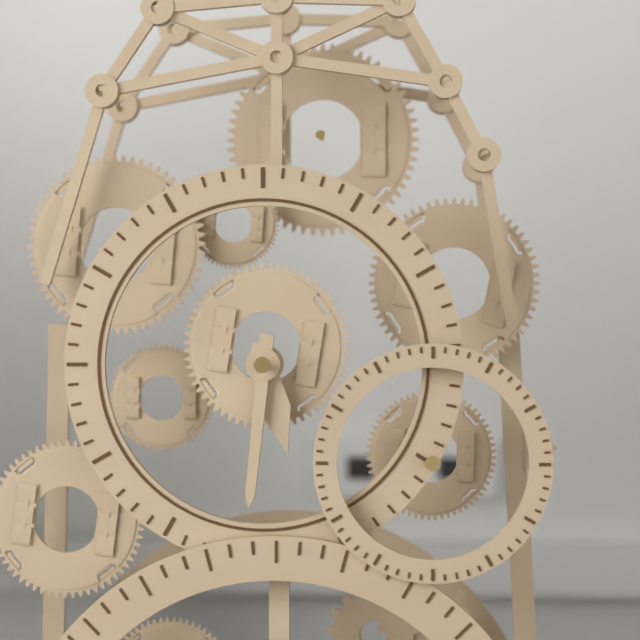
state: 5:31
